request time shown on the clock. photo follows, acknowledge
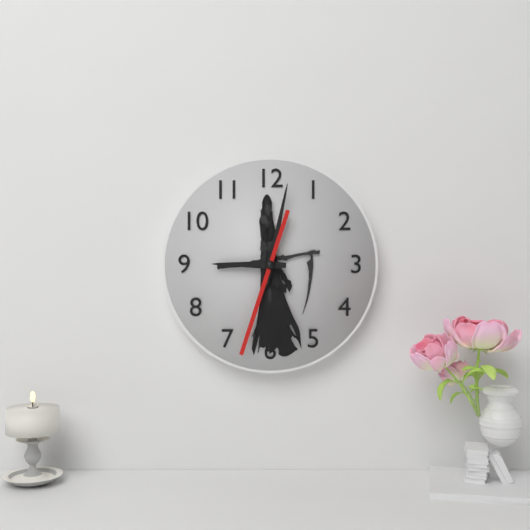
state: 9:02:33
